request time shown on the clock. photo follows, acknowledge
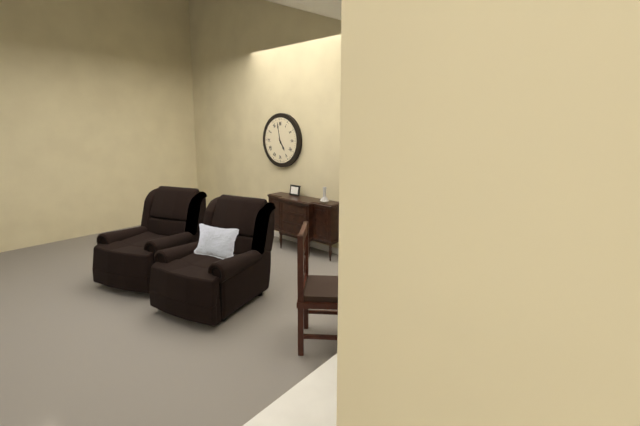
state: 4:58
